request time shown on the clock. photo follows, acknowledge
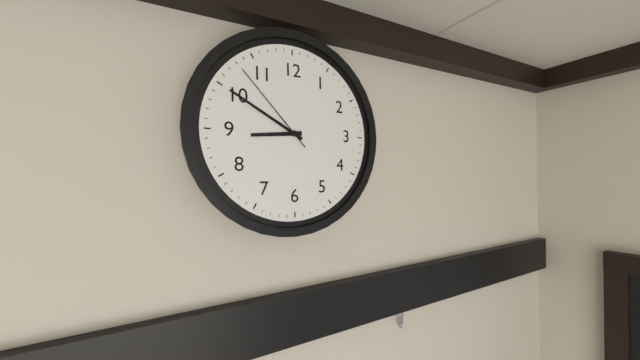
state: 8:50:53
